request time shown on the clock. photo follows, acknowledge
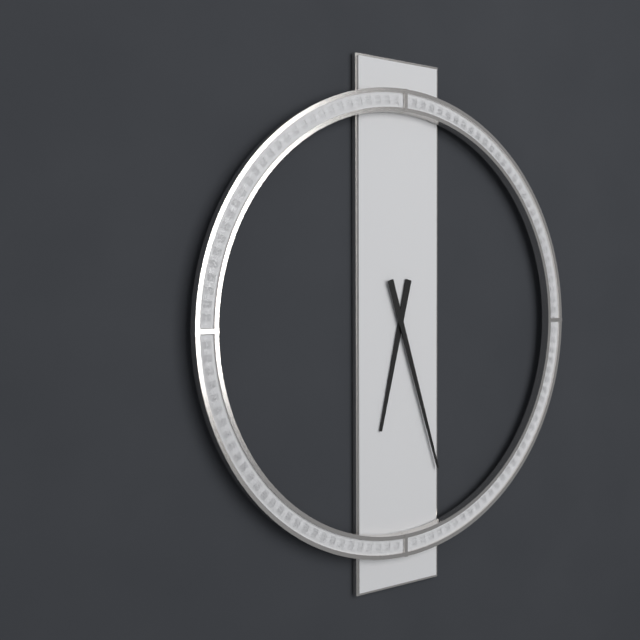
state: 6:27
